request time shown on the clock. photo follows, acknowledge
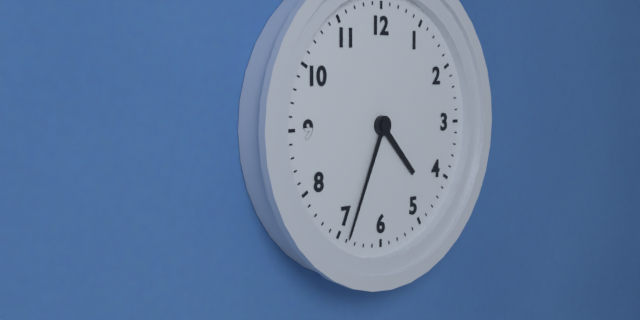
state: 4:34
